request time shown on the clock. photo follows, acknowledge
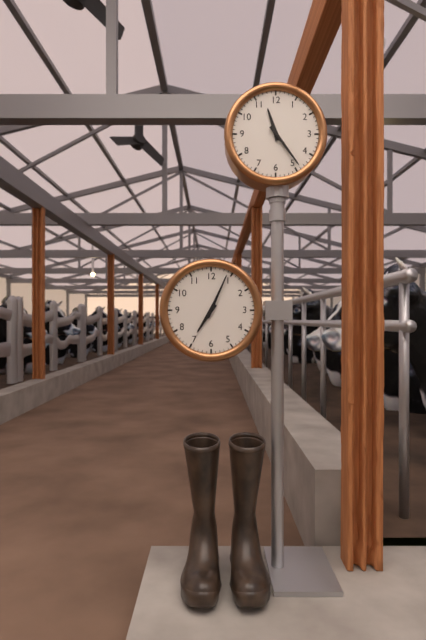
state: 11:24
